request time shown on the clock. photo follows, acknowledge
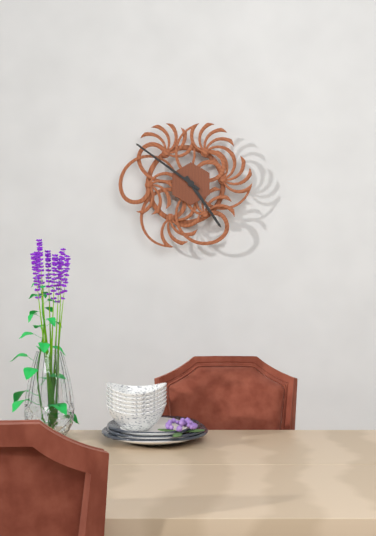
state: 4:51
